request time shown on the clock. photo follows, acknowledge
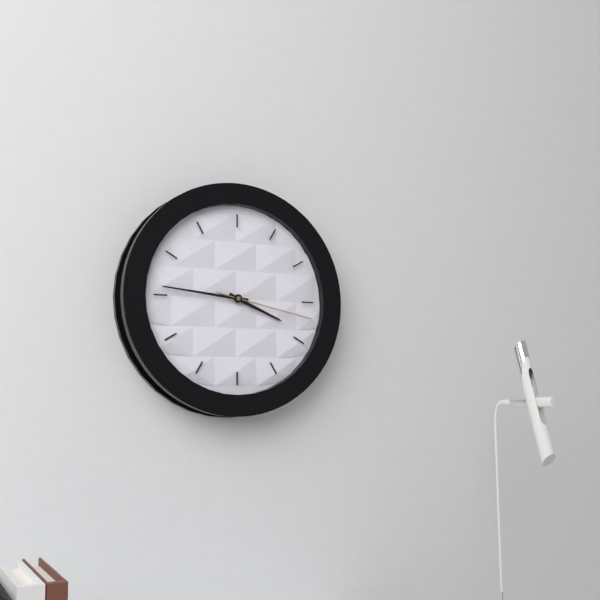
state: 3:46:17
